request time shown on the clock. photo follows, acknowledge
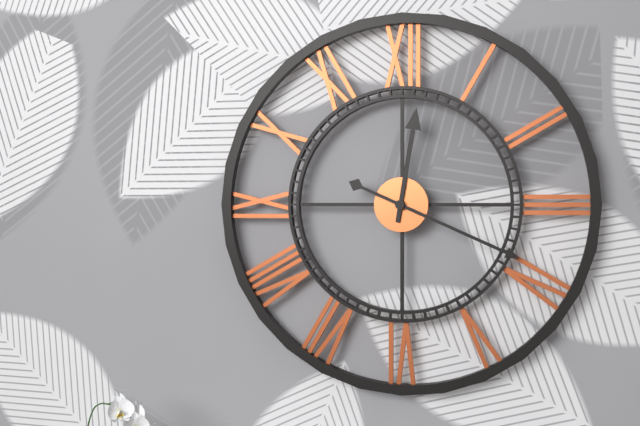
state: 12:19
